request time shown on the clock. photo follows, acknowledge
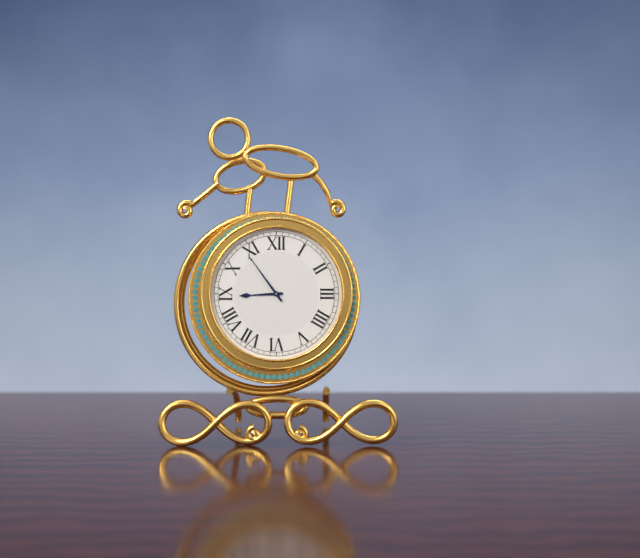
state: 8:54
